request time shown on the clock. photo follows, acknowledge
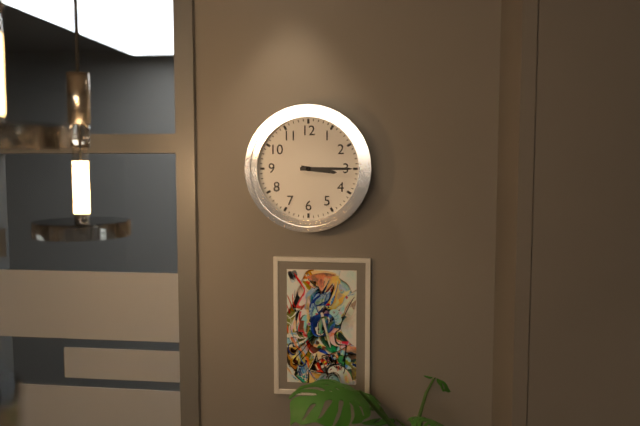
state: 3:15
